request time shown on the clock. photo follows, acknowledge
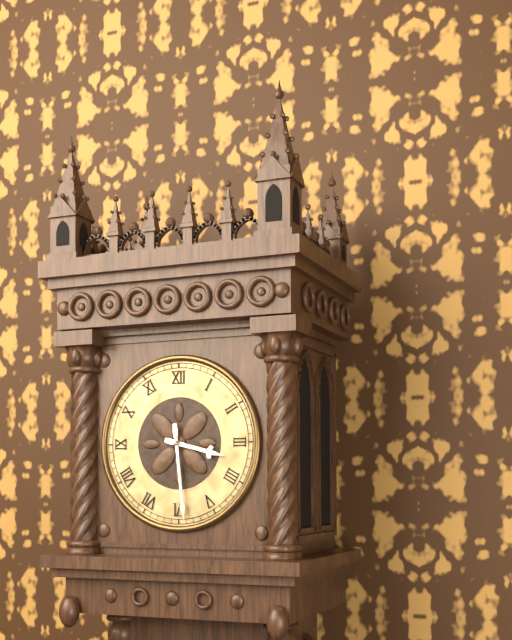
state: 3:29
